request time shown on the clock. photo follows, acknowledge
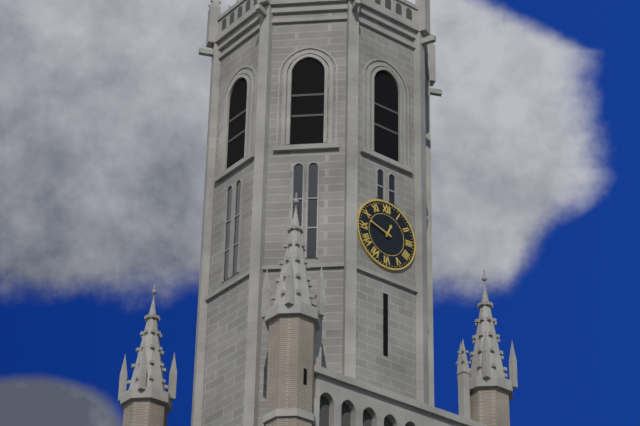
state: 12:48
